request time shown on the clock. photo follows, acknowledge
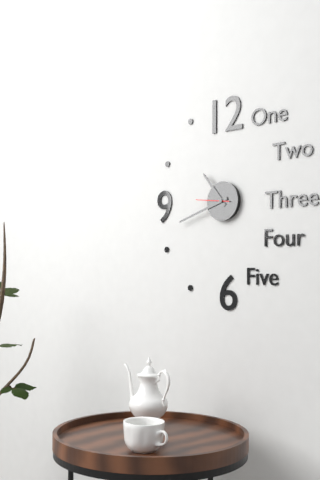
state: 10:42
